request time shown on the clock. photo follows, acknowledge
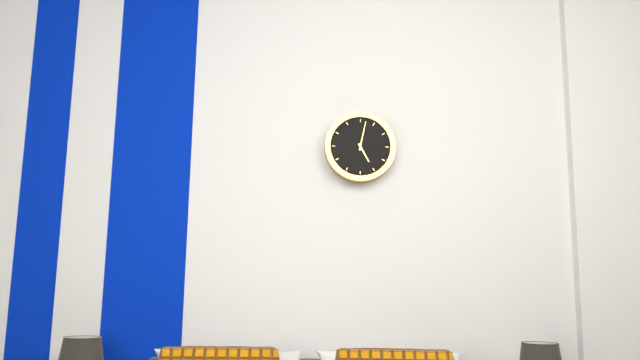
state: 5:02
